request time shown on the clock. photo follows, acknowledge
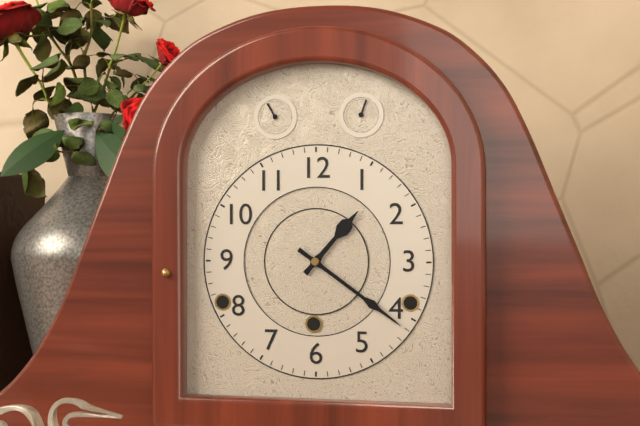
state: 1:21
